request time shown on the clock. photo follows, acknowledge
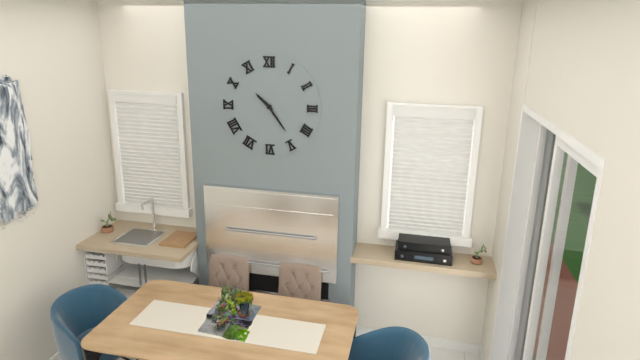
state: 10:24
